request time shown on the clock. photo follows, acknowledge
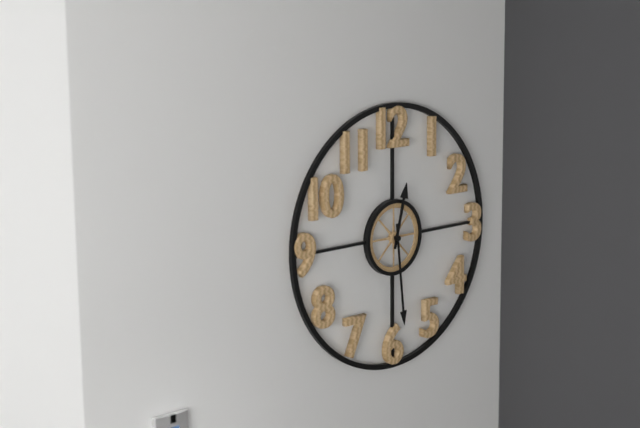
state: 12:29
